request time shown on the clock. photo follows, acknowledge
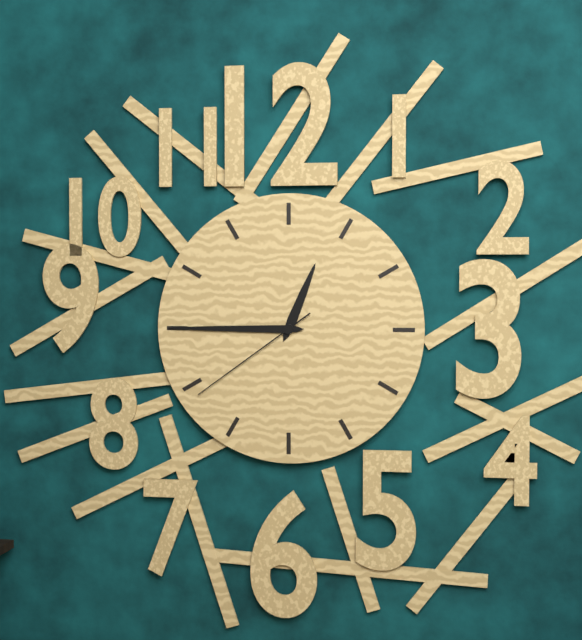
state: 12:45:39
